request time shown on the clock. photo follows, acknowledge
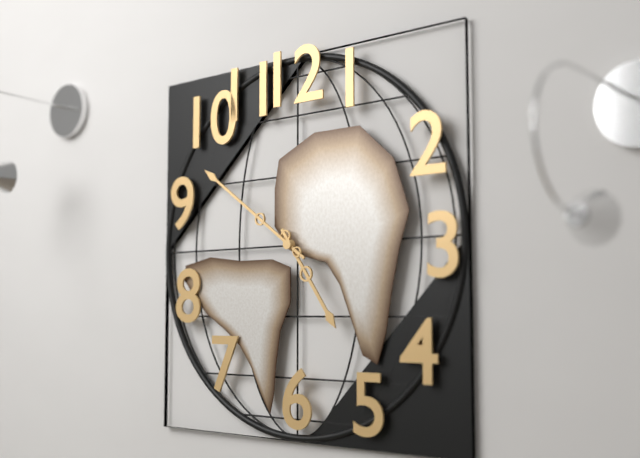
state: 4:51
